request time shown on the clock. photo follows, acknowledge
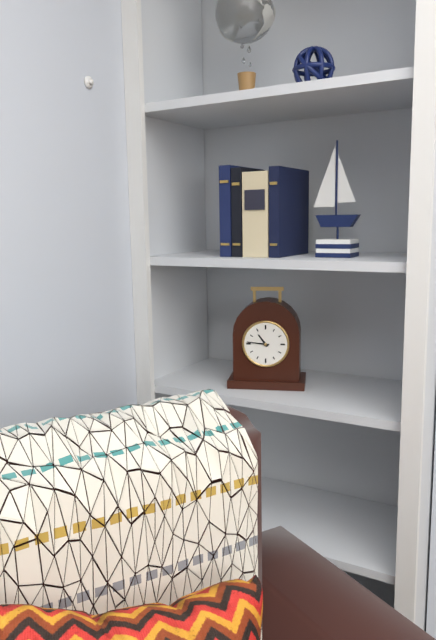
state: 10:46
